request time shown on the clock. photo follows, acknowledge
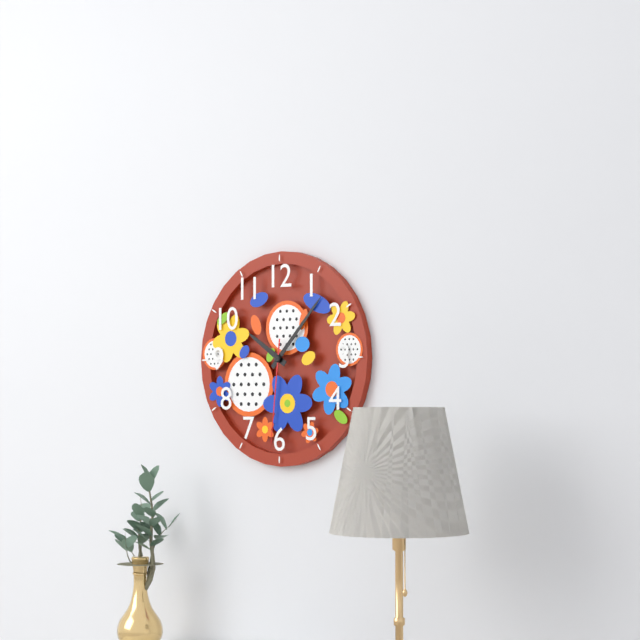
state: 10:07:31
